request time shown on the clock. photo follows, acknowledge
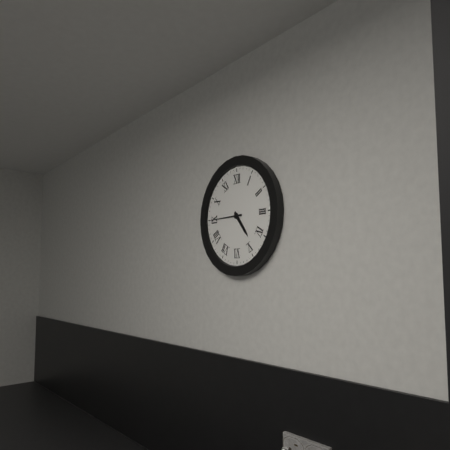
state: 4:45
